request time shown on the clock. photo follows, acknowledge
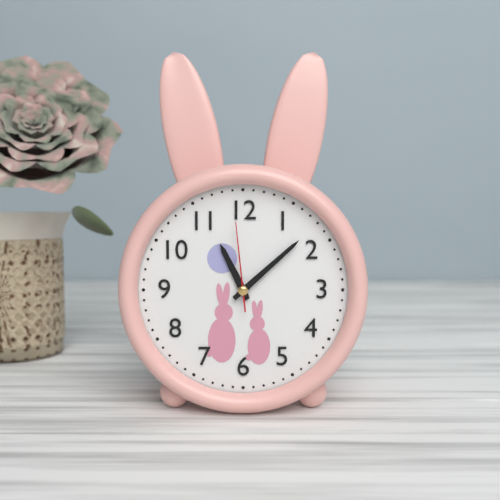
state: 11:08:59
